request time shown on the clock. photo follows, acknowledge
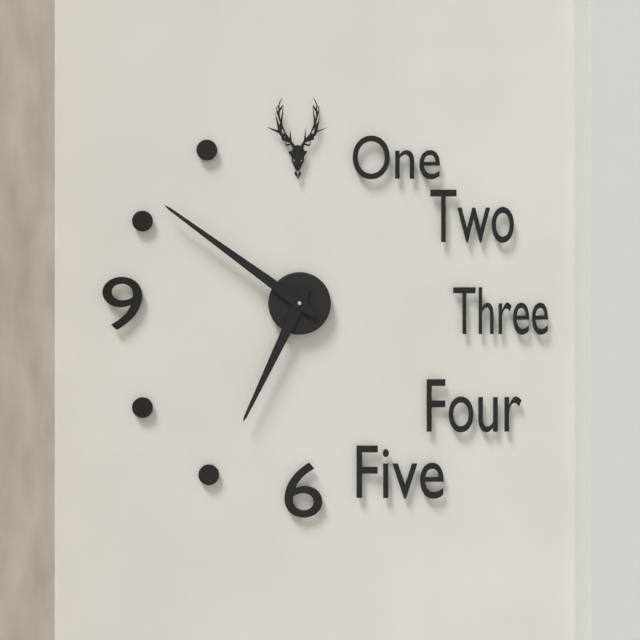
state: 6:51
